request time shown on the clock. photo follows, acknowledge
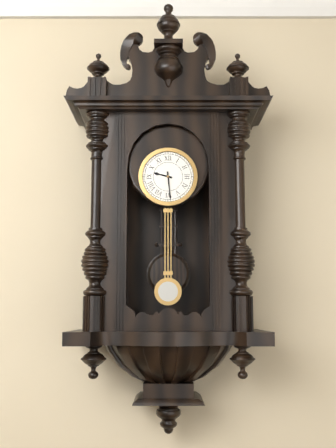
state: 9:29
